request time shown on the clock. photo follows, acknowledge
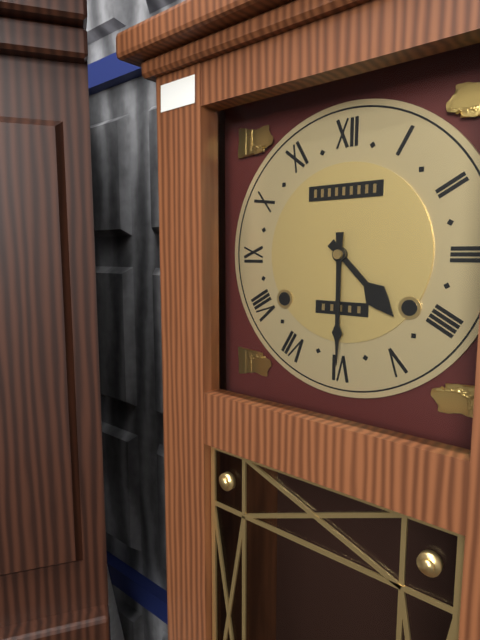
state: 4:30
